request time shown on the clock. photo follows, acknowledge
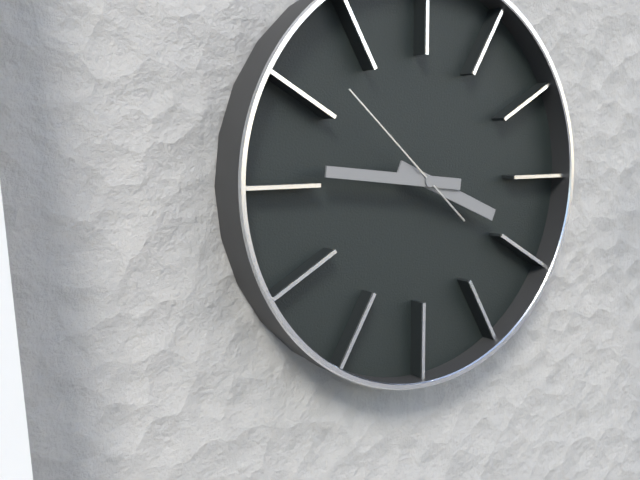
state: 3:46:52
